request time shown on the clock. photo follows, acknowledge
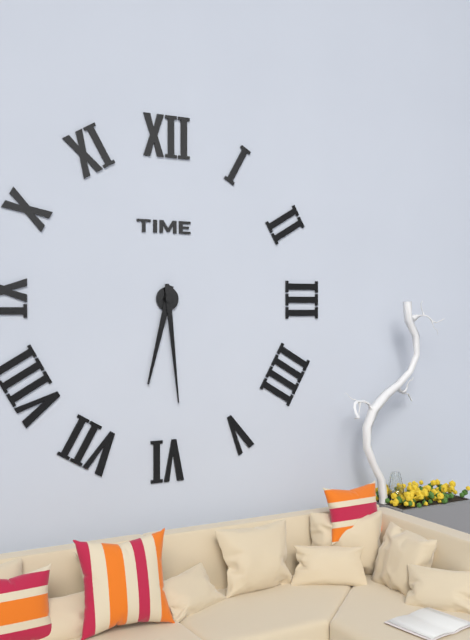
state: 6:29
